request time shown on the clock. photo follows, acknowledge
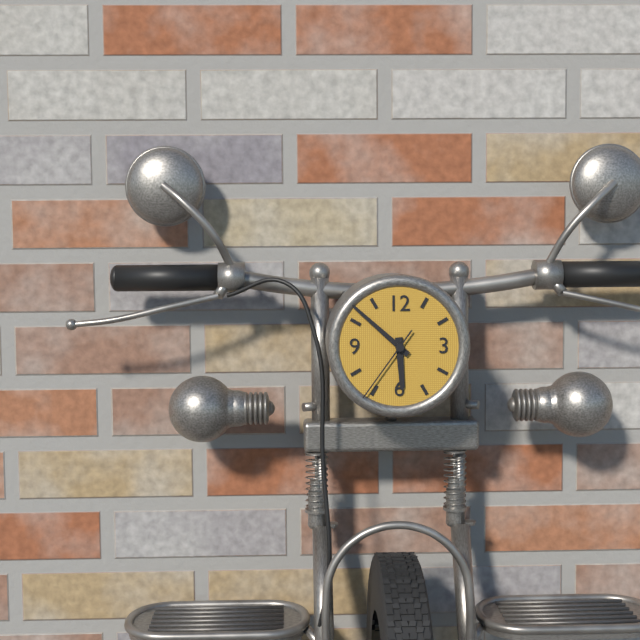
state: 5:52:36
